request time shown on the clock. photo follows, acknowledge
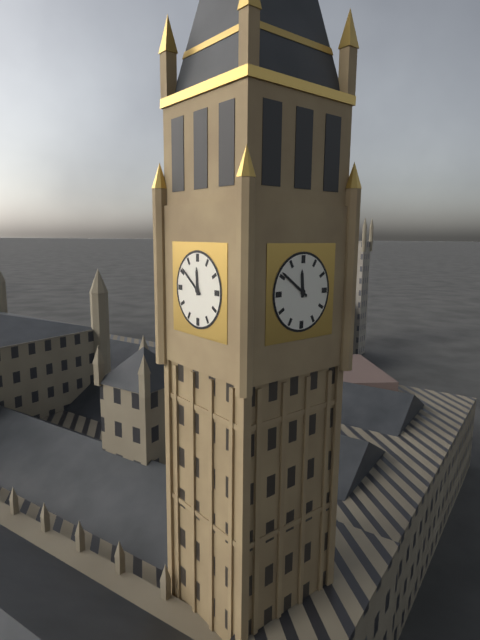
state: 11:51
